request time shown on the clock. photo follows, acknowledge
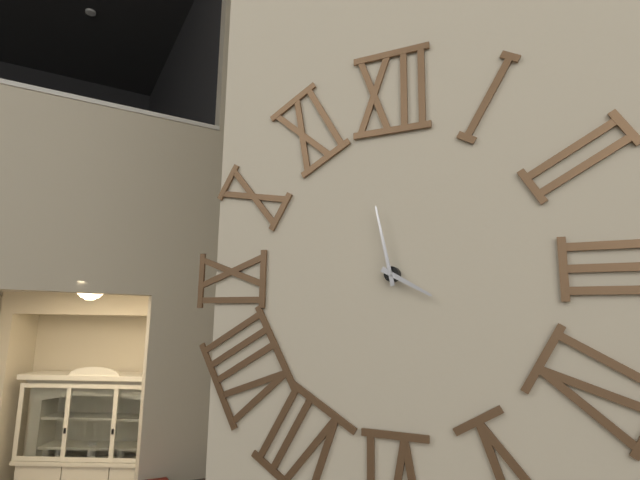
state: 3:58
